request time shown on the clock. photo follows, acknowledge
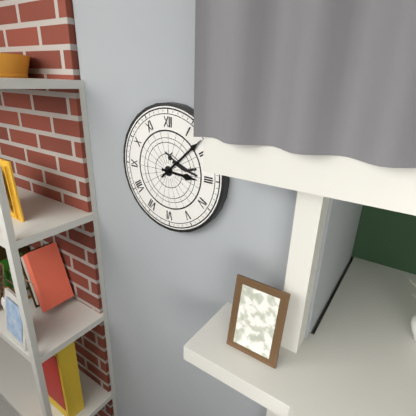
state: 3:08
